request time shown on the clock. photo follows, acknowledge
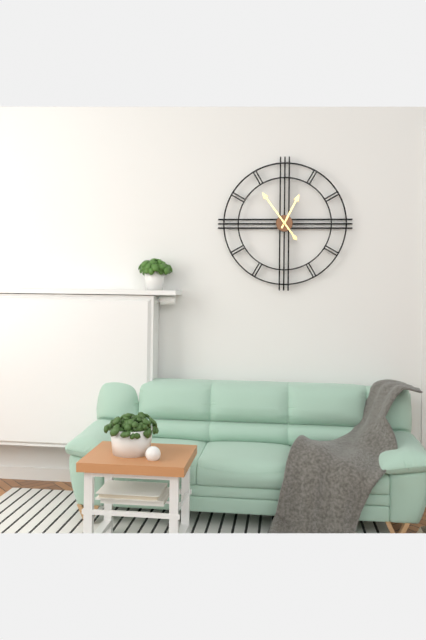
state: 12:54
